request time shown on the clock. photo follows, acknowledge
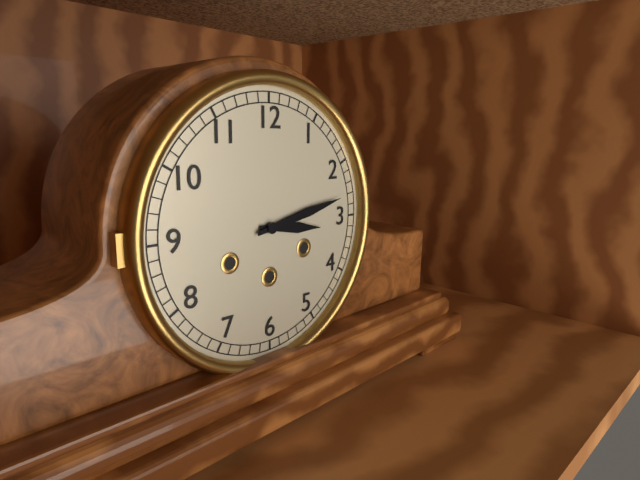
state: 3:13
